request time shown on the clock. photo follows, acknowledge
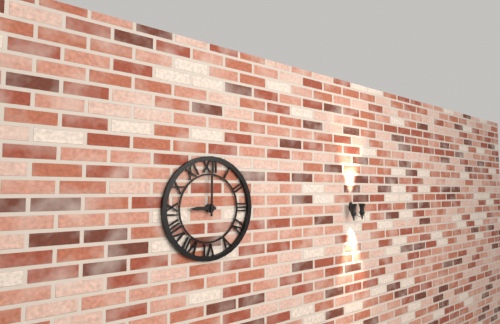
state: 9:00
